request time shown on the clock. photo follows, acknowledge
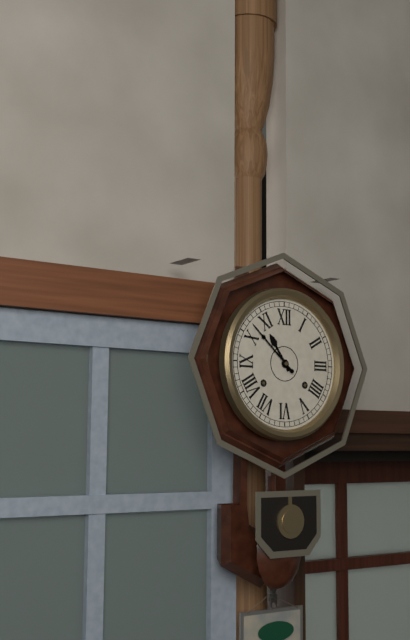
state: 10:52
